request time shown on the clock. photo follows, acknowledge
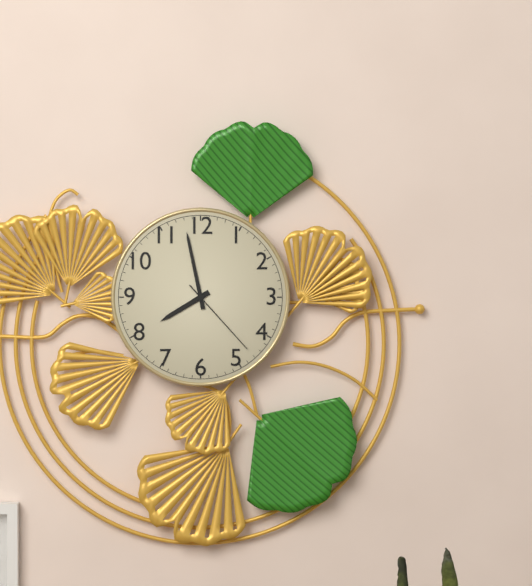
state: 7:58:23
